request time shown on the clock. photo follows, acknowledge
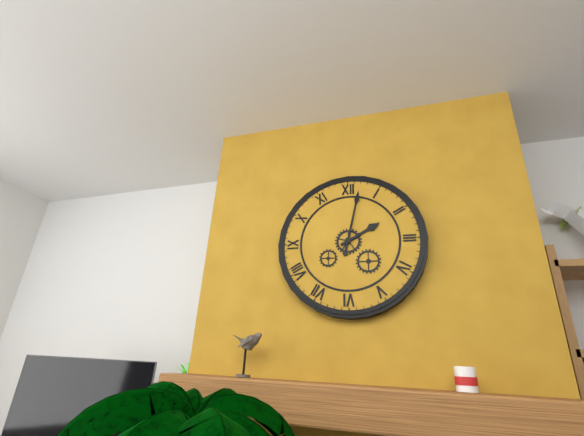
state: 2:02
